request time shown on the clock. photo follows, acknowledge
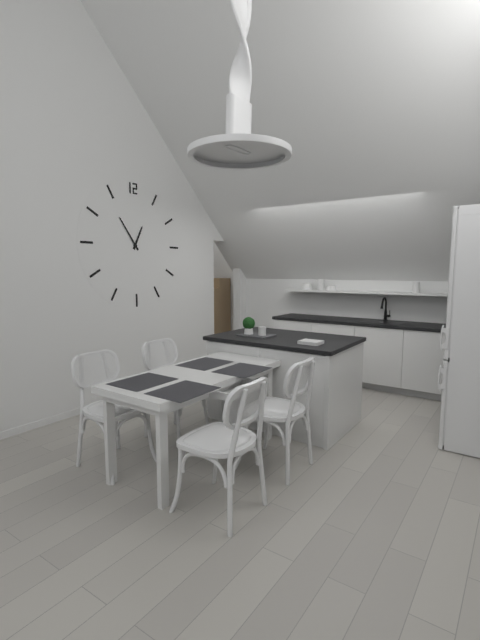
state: 12:54
